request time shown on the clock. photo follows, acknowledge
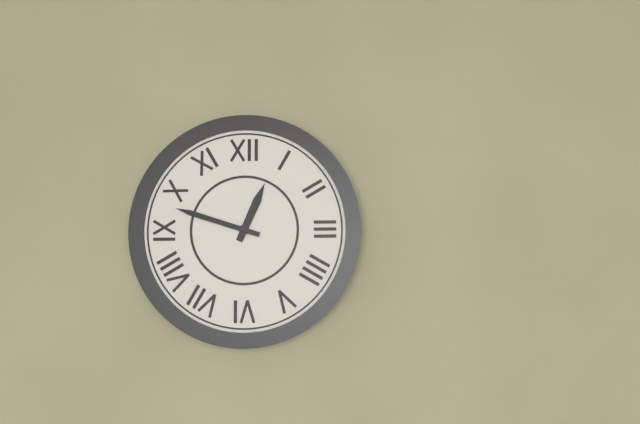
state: 12:48
